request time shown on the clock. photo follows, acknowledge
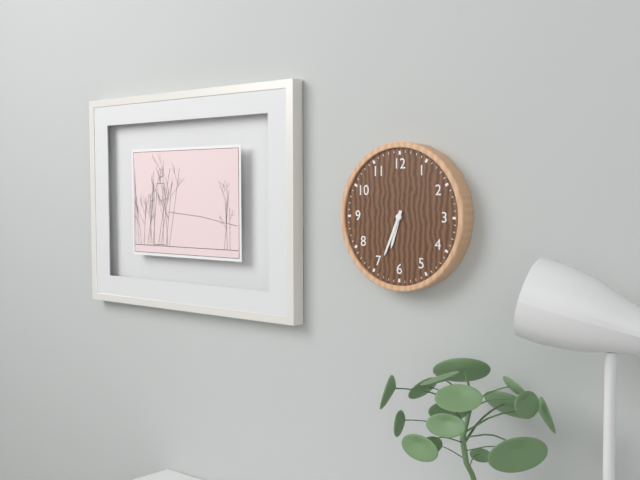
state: 6:34
